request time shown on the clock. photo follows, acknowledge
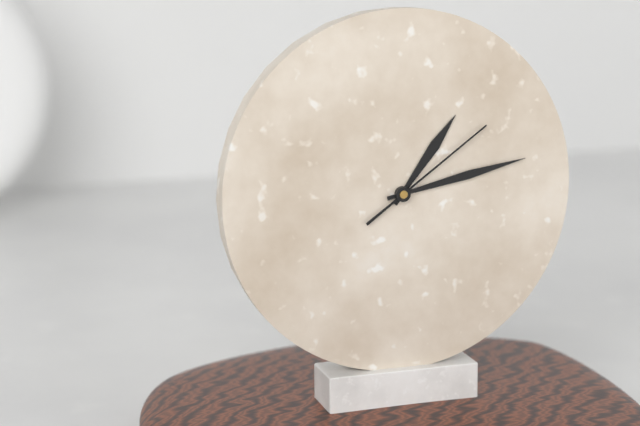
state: 1:13:09
